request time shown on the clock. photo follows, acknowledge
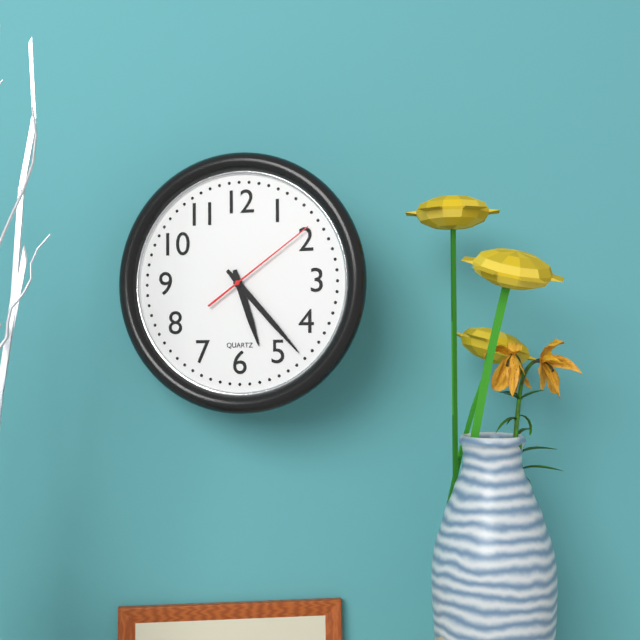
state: 5:23:09
